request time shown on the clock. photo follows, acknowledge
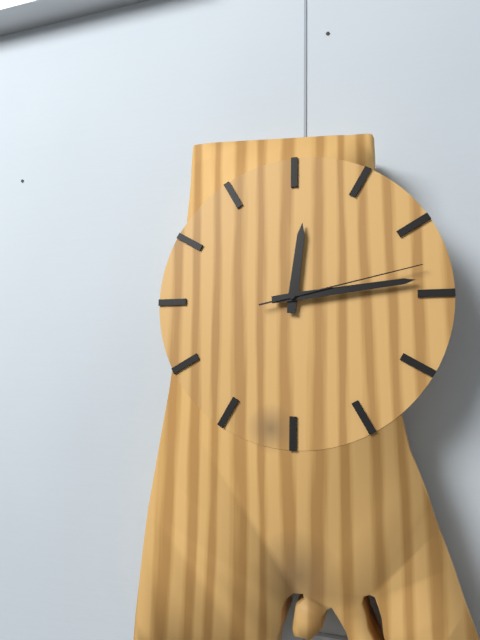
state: 12:14:13
